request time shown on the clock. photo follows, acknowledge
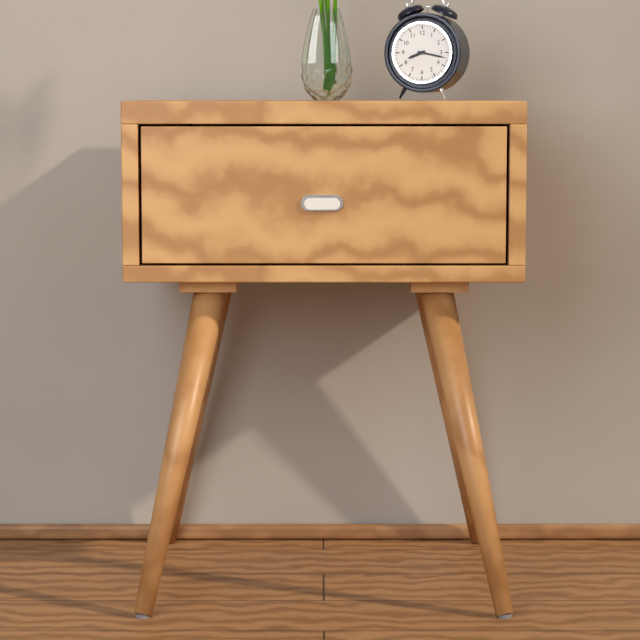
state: 8:17
